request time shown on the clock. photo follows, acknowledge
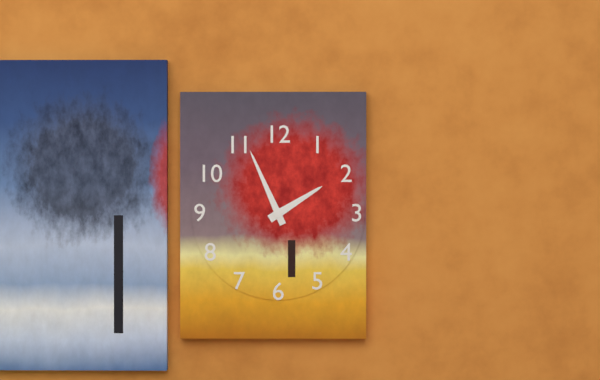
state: 1:56
